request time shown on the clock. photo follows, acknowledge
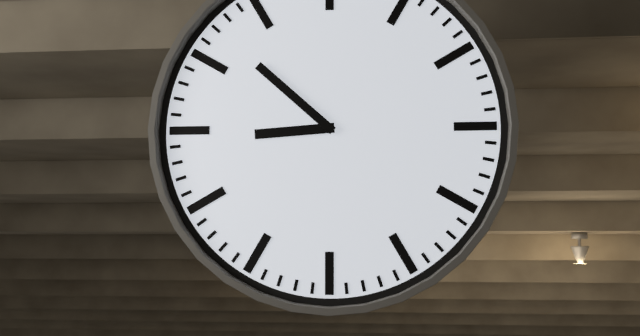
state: 8:52
